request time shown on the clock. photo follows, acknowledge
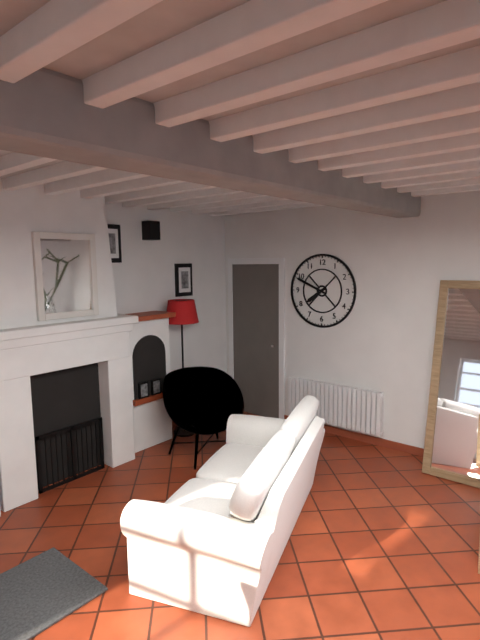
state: 7:49
